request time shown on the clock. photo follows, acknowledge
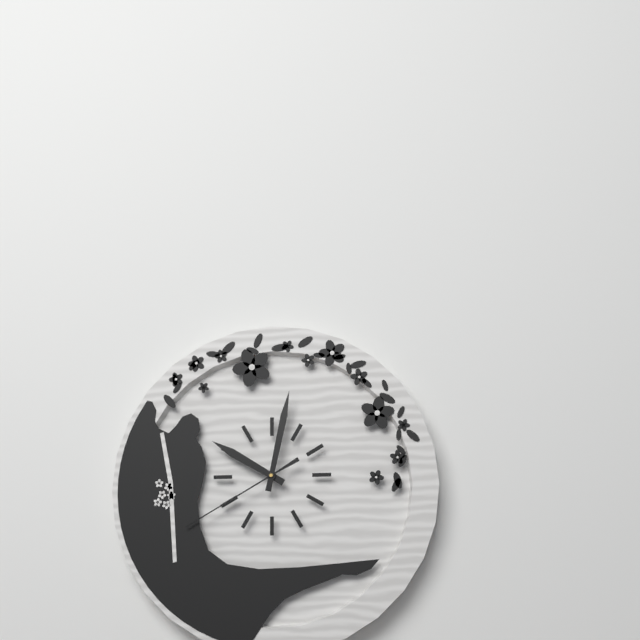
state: 10:02:40
